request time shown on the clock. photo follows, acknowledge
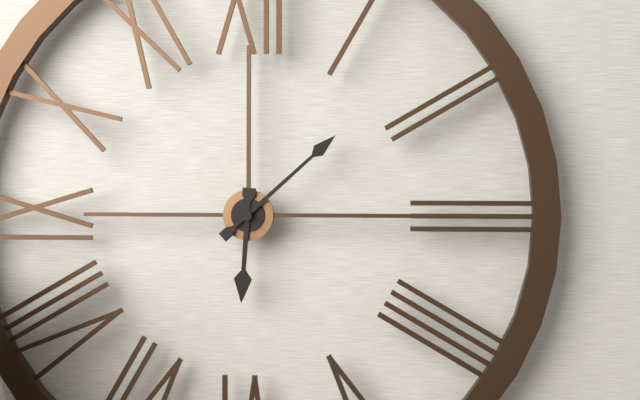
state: 6:08
